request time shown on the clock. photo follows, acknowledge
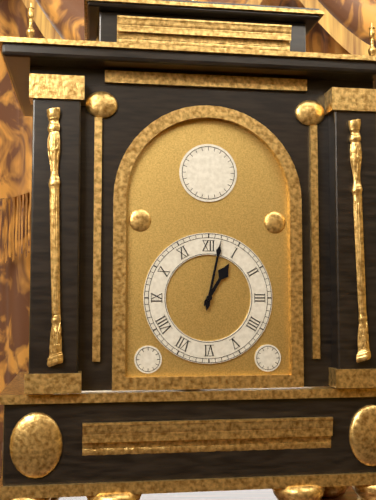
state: 1:02
